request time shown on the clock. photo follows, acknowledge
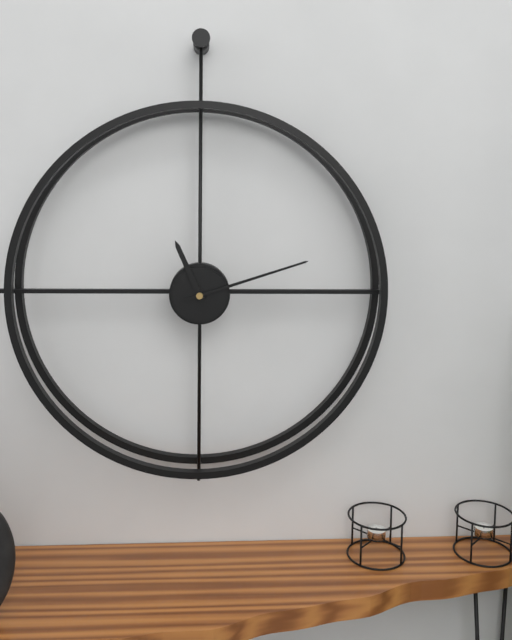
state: 11:12
